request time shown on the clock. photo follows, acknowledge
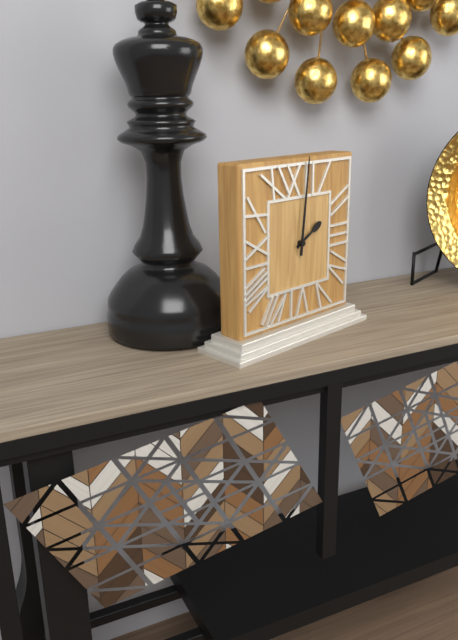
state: 2:01
